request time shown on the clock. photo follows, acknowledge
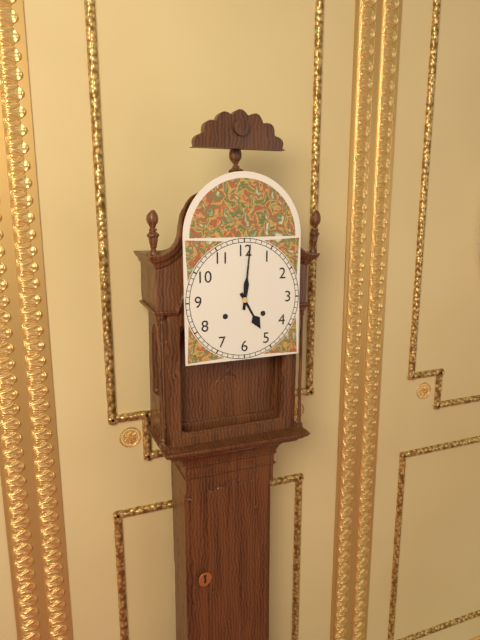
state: 5:01
